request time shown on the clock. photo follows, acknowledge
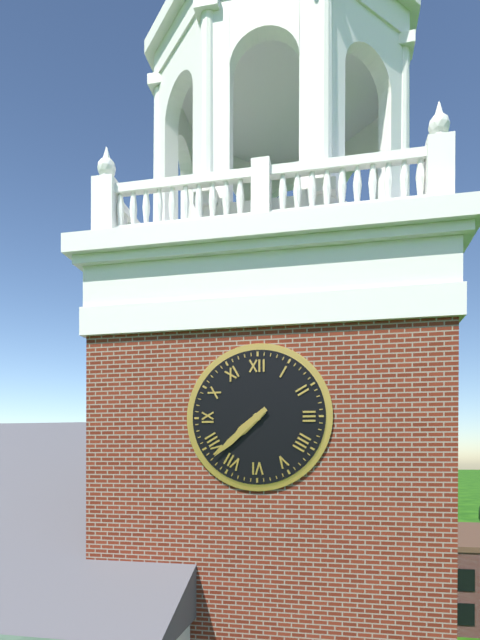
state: 7:38
